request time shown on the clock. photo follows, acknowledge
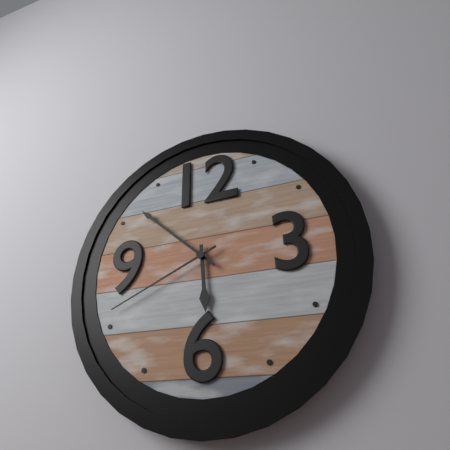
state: 5:52:41
